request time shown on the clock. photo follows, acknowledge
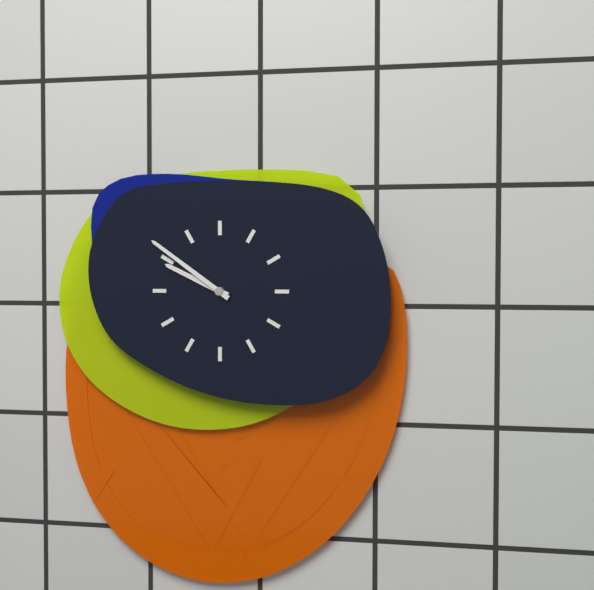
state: 9:51
